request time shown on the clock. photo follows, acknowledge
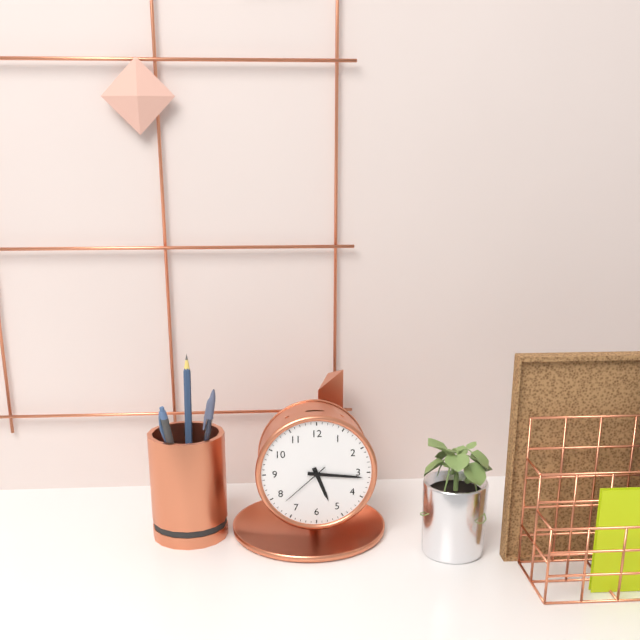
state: 5:16:38
